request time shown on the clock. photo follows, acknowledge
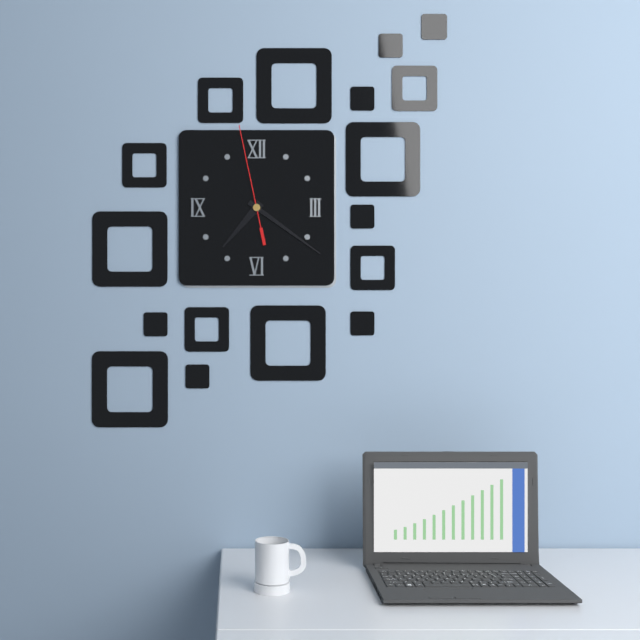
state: 7:21:58
